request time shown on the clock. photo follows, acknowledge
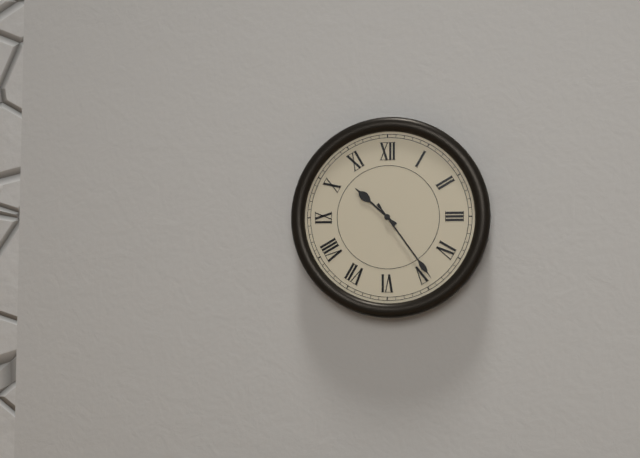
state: 10:24
